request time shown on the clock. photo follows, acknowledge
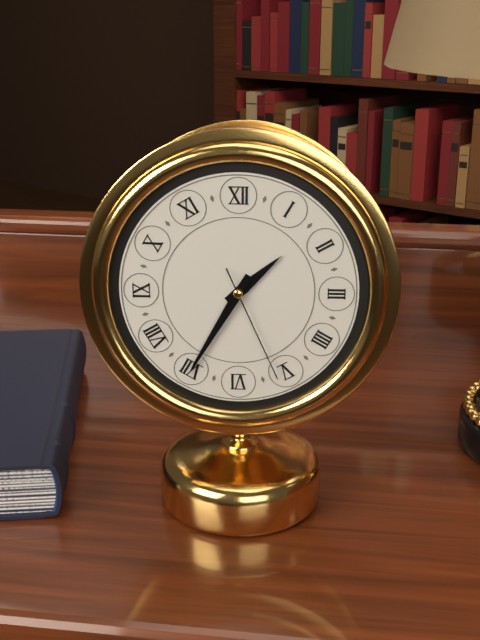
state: 1:35:26
